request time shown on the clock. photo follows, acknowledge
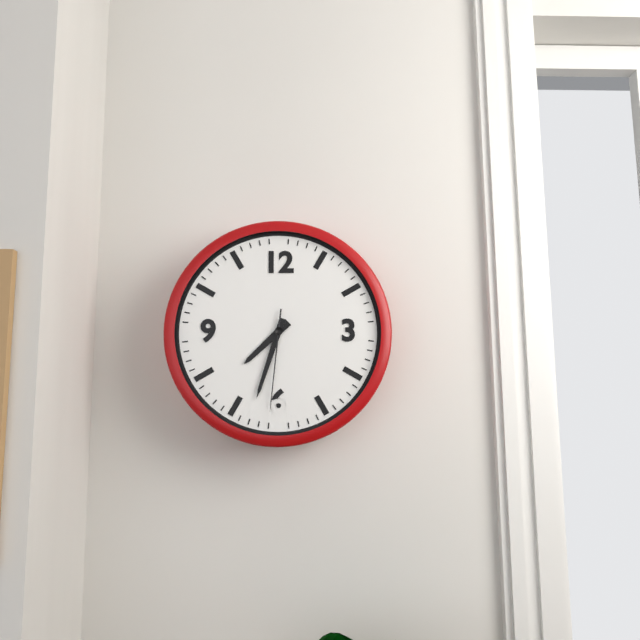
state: 7:33:31
